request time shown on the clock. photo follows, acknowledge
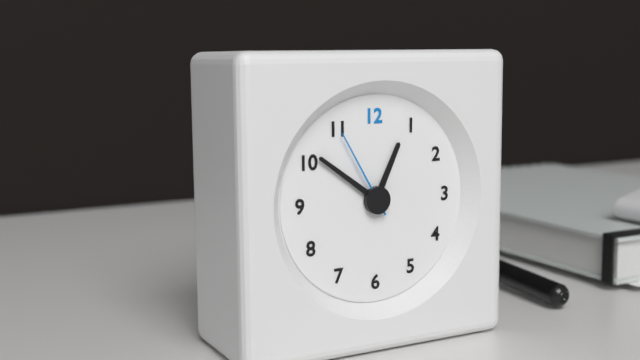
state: 12:51:55
